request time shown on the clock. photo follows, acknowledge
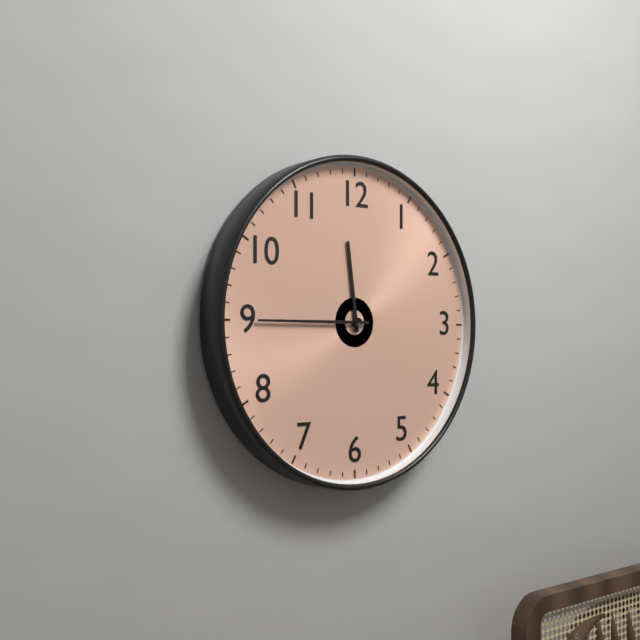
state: 11:45
